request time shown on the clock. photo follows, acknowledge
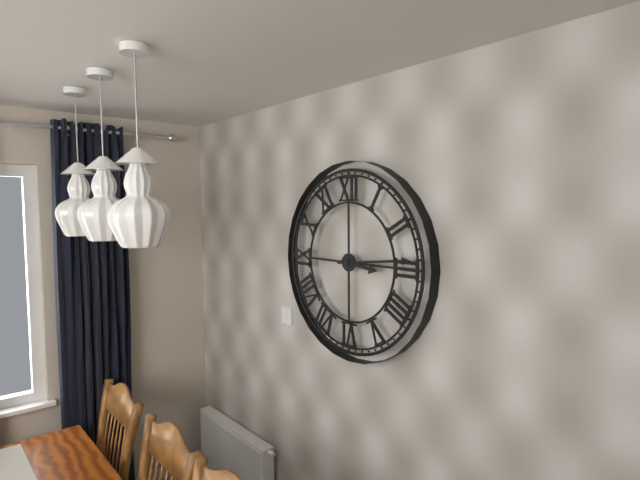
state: 3:14
